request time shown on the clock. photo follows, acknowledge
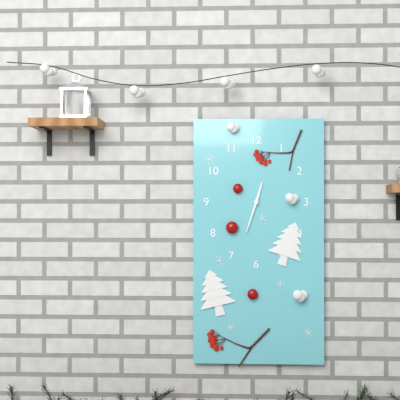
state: 12:33
